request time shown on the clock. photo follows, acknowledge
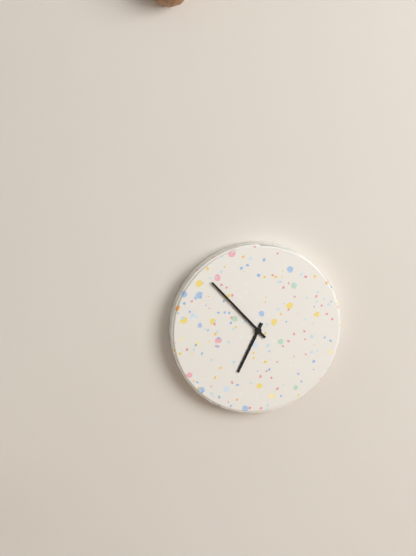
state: 6:53
